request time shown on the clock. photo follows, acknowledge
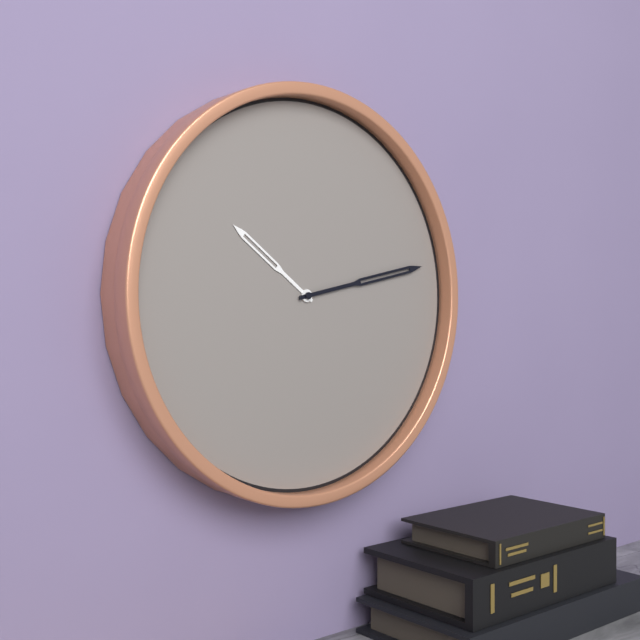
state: 10:13
